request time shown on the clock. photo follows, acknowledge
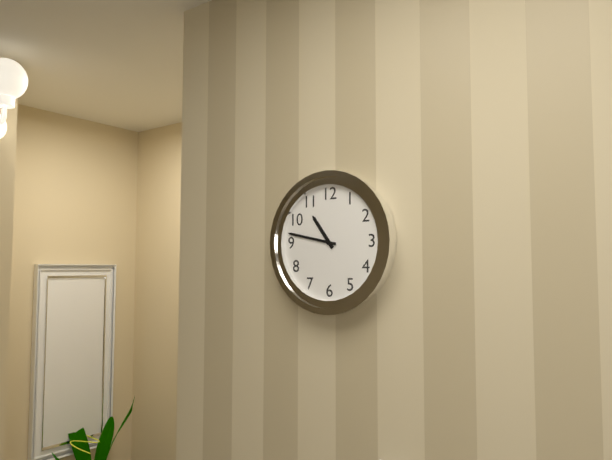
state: 10:47
